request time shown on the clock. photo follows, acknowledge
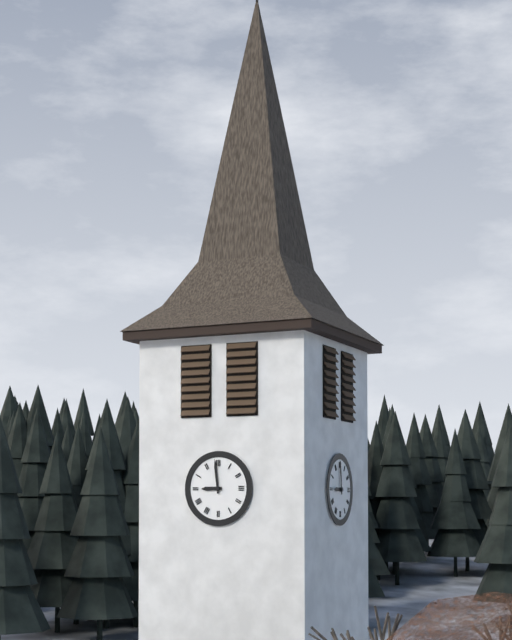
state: 8:59
